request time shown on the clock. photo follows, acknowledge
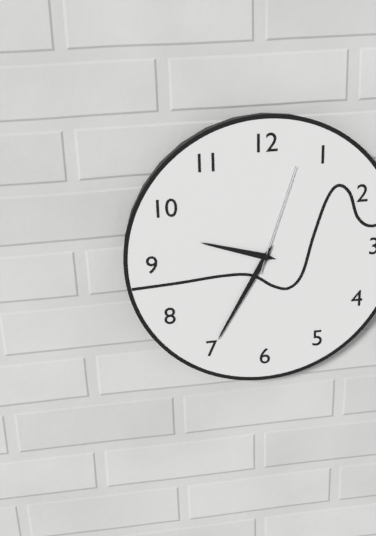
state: 9:35:03
